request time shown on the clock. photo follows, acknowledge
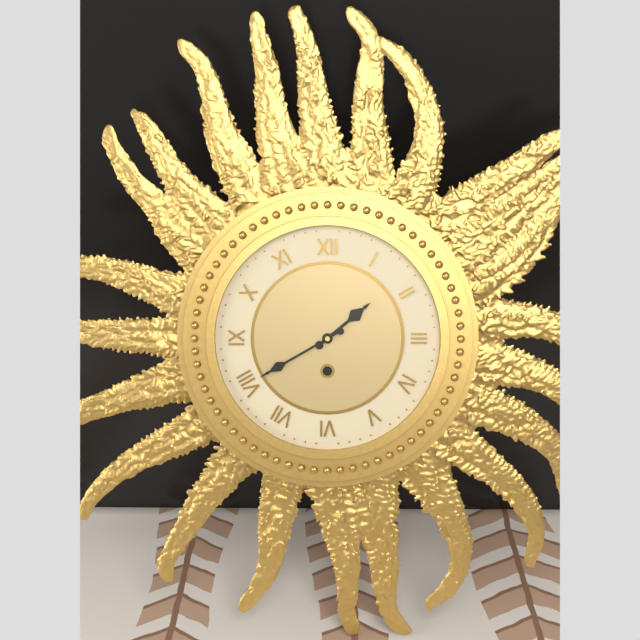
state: 1:40
